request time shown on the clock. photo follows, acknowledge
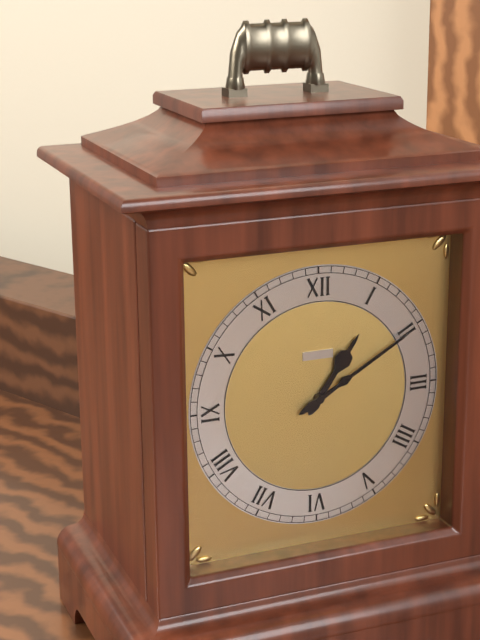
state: 1:10
